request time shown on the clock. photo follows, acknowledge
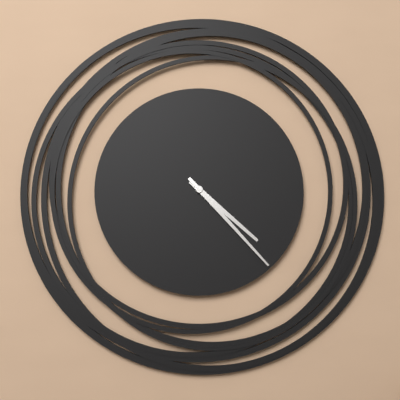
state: 4:23
